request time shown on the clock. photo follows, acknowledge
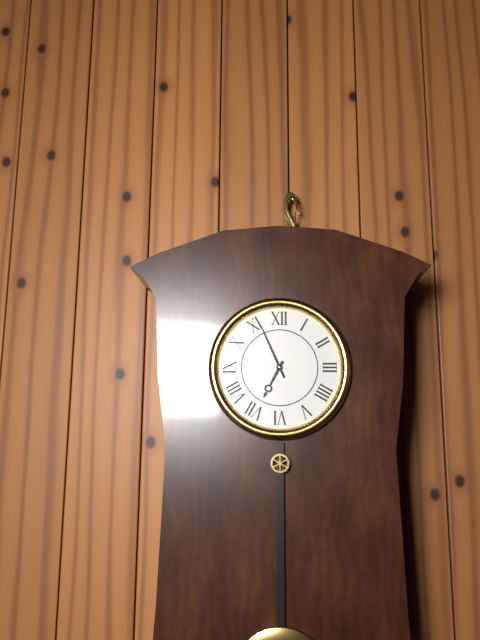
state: 6:56
